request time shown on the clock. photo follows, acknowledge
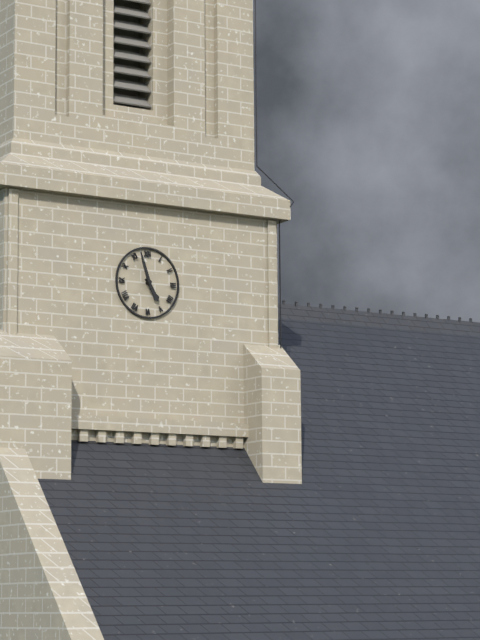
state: 4:57
